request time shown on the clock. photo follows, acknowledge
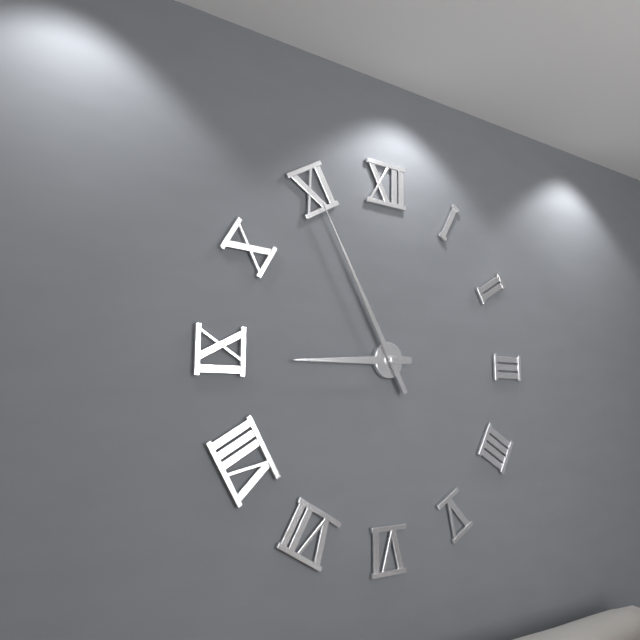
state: 8:55
